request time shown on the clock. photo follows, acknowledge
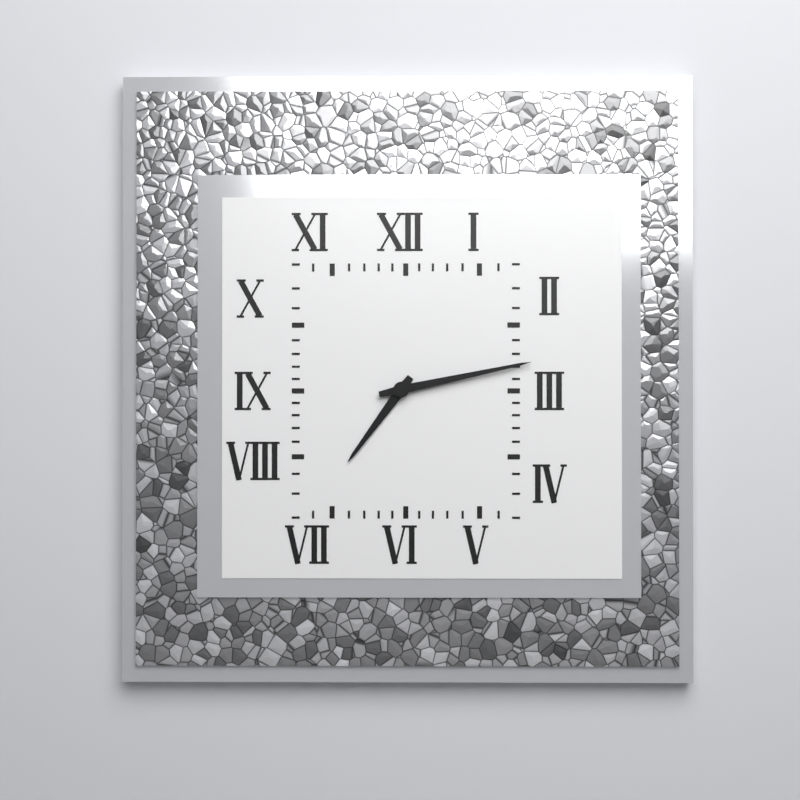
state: 7:13
